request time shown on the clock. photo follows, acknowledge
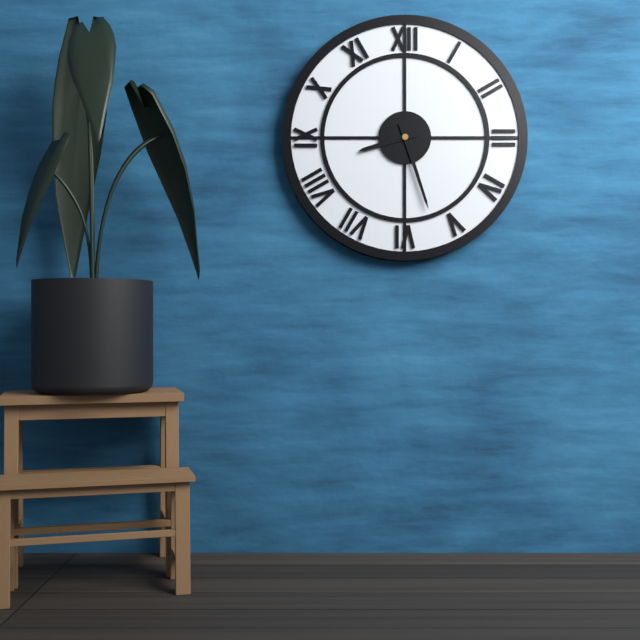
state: 8:27
